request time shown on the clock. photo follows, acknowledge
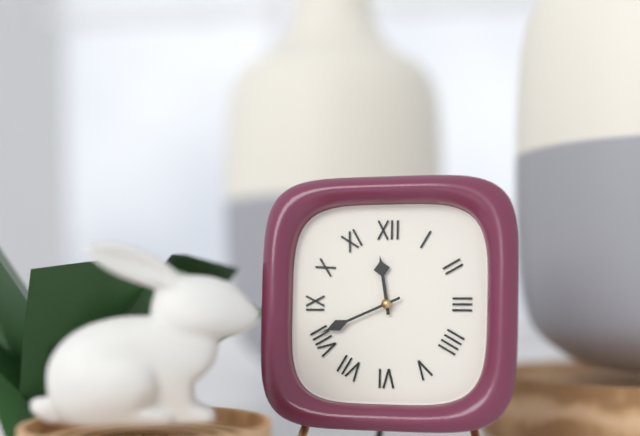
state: 11:41
